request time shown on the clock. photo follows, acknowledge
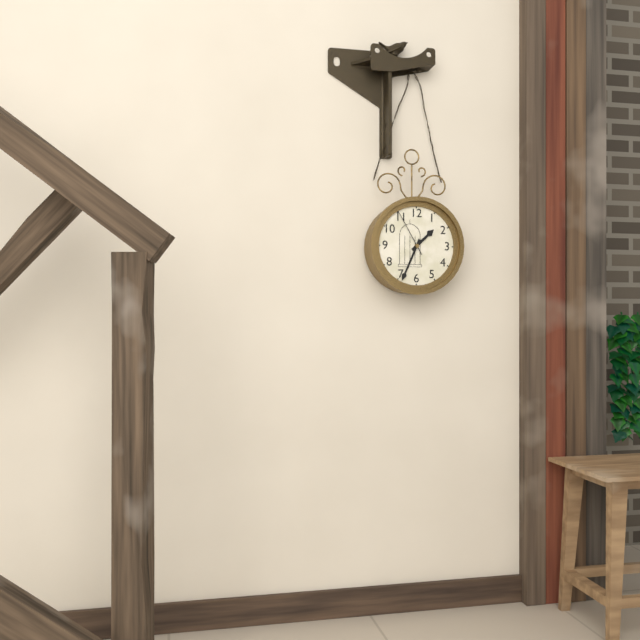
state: 1:34
